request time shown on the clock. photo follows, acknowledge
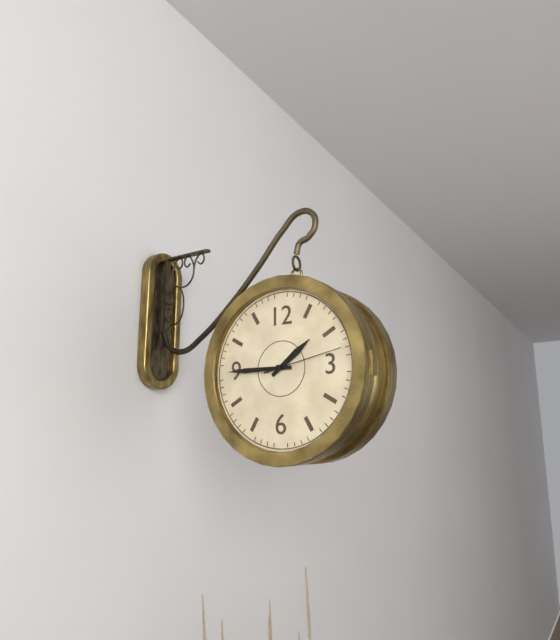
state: 1:45:13
